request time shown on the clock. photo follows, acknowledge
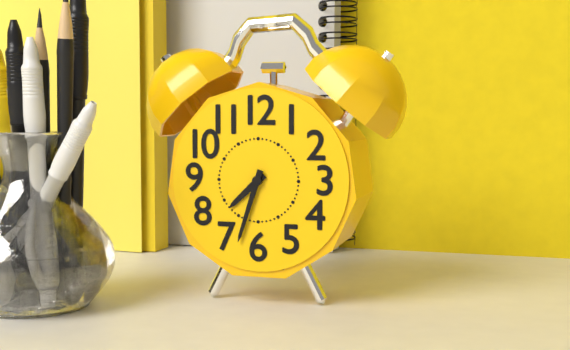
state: 7:33
